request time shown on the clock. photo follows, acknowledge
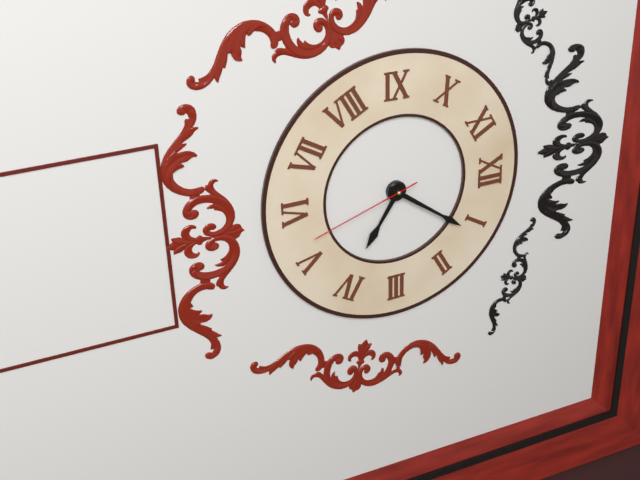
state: 4:06:27
